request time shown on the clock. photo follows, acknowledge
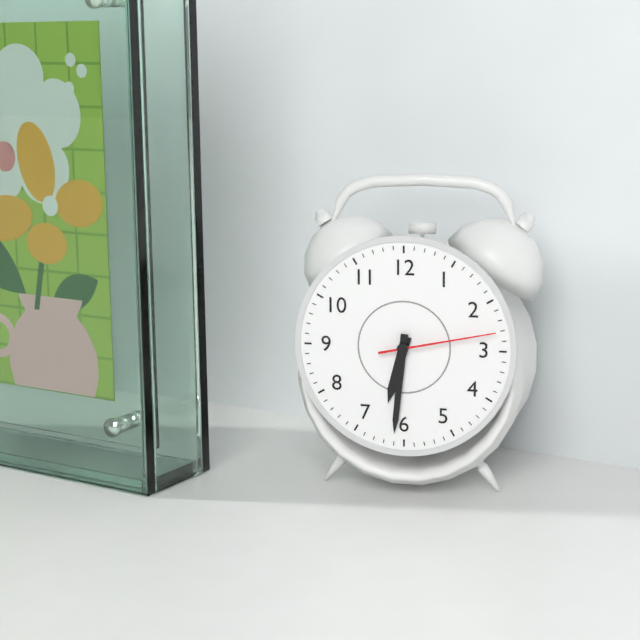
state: 6:31:13
